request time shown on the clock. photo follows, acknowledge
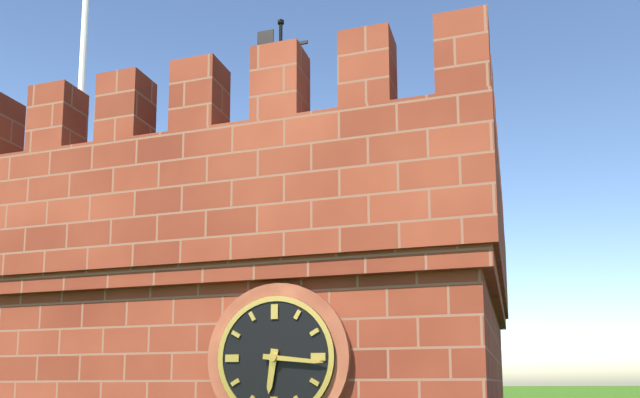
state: 6:16
